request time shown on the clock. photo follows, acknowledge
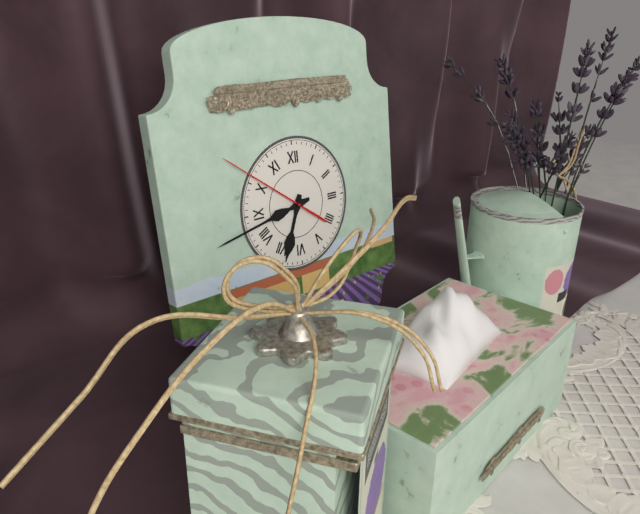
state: 6:43:51
